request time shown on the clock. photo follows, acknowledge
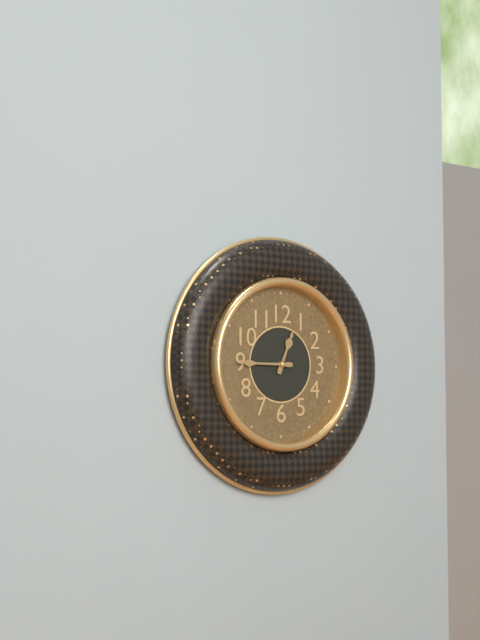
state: 12:45
